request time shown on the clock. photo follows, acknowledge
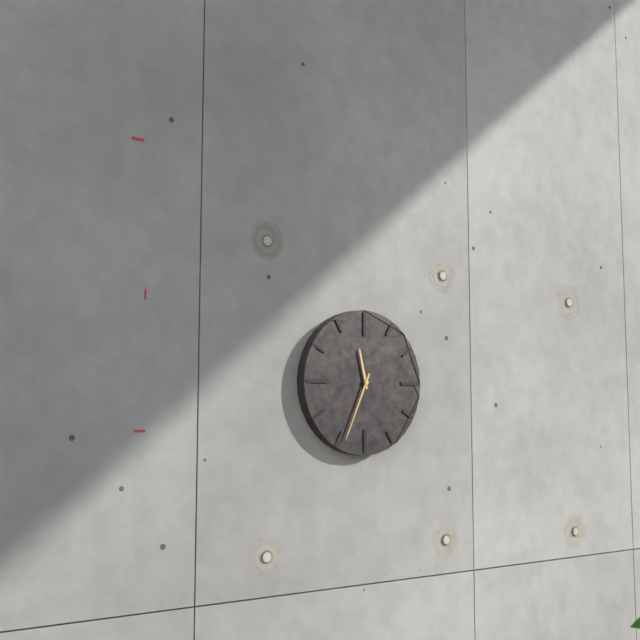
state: 11:34
